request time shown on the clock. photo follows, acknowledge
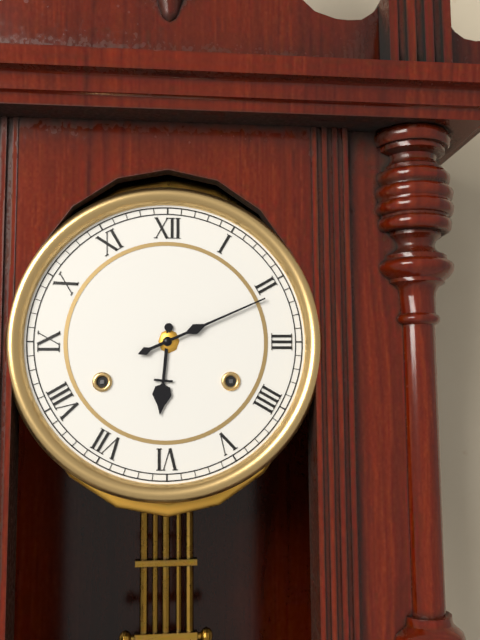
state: 6:11
